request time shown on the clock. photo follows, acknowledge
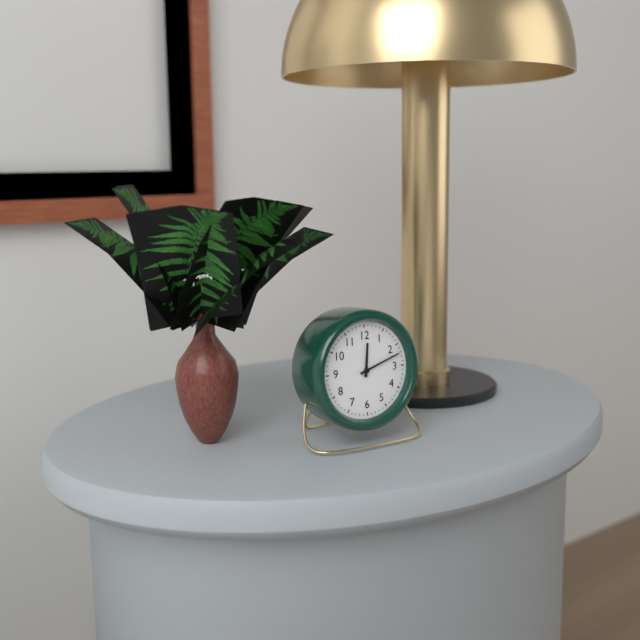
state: 12:12
